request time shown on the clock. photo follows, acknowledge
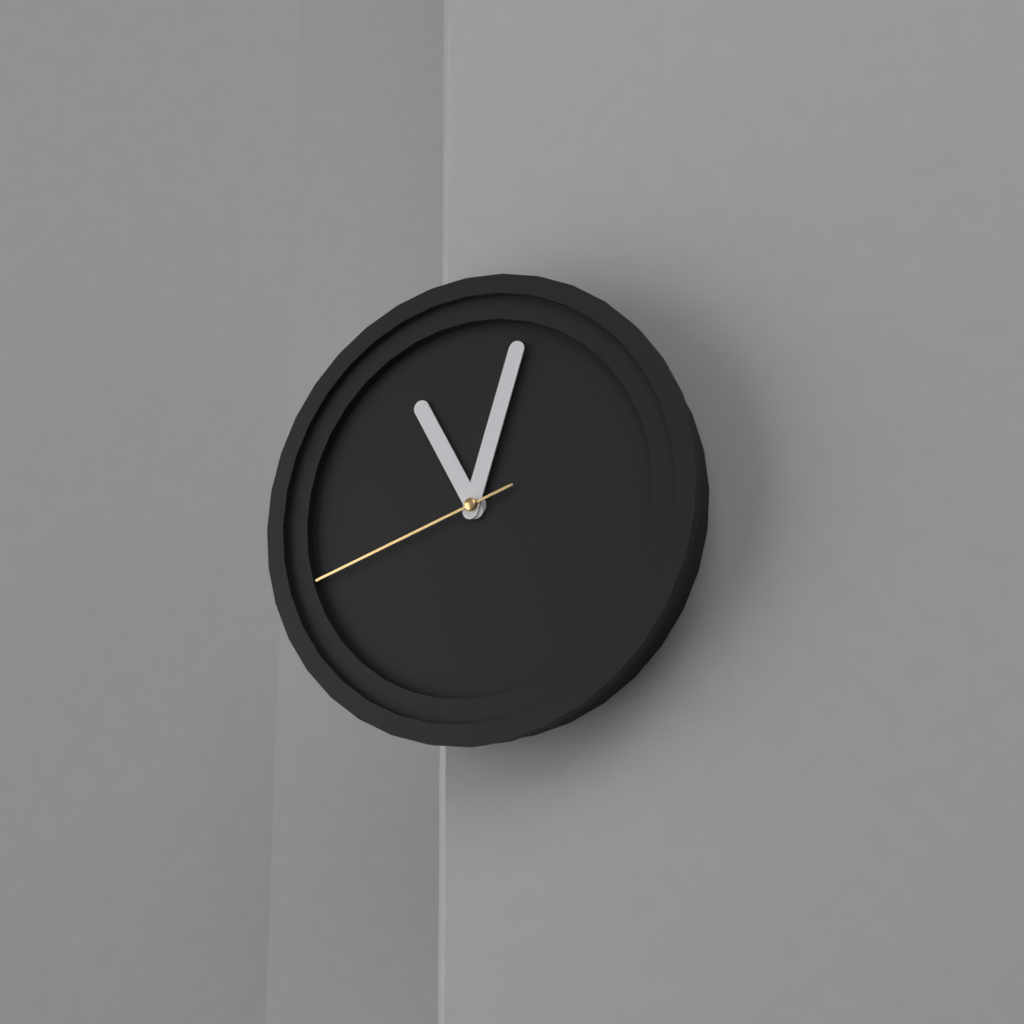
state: 11:03:42
